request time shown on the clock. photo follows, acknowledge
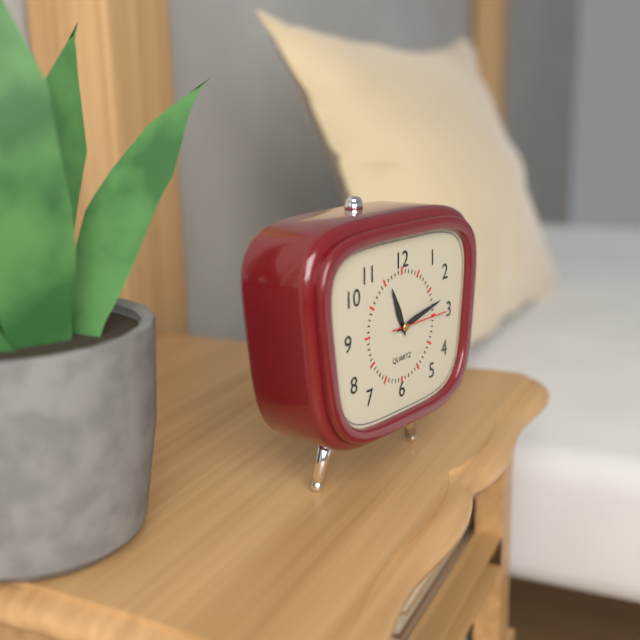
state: 11:13:15
